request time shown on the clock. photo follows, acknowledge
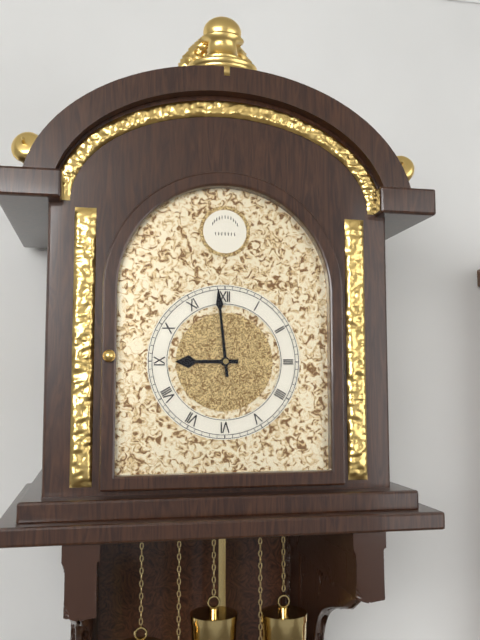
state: 8:59
